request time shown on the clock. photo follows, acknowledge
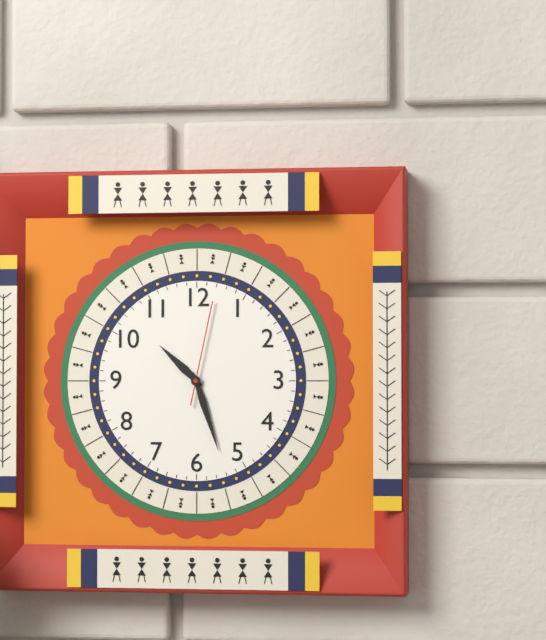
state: 10:27:02
